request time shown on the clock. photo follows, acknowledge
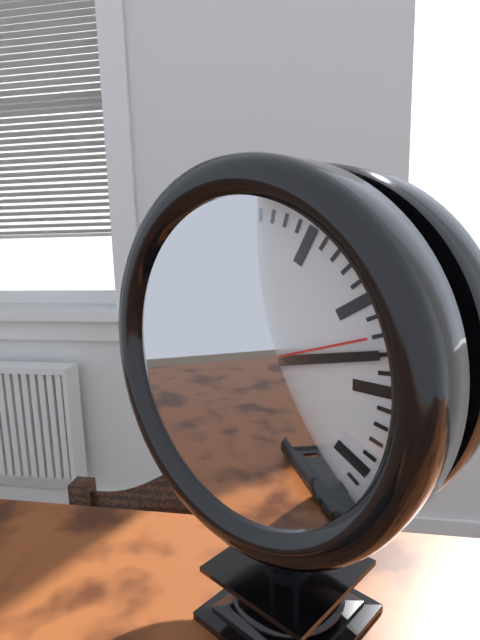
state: 5:13:12
